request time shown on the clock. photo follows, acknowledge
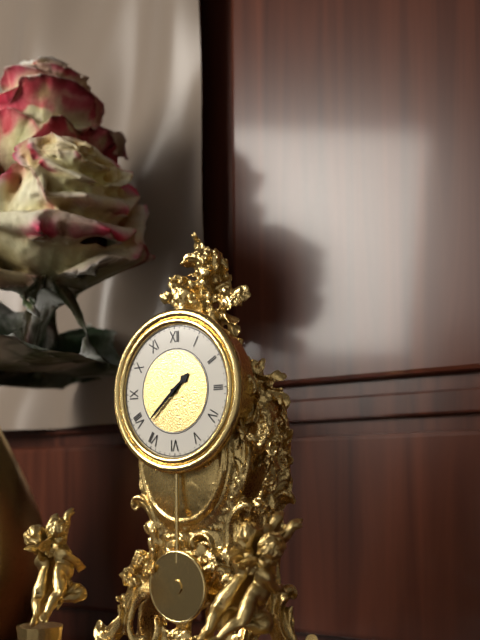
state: 1:38
